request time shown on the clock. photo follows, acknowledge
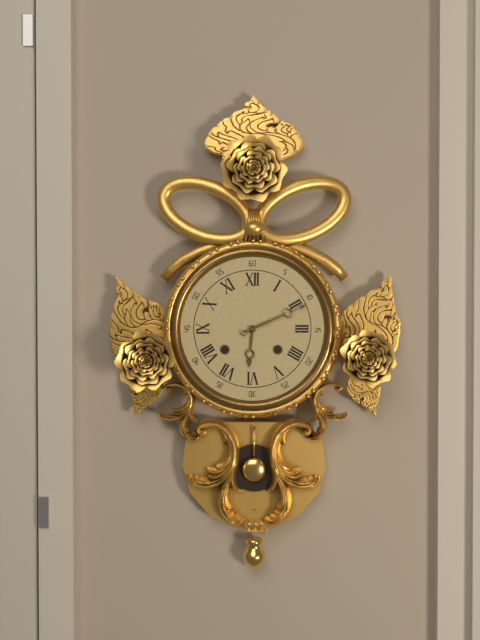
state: 6:11
